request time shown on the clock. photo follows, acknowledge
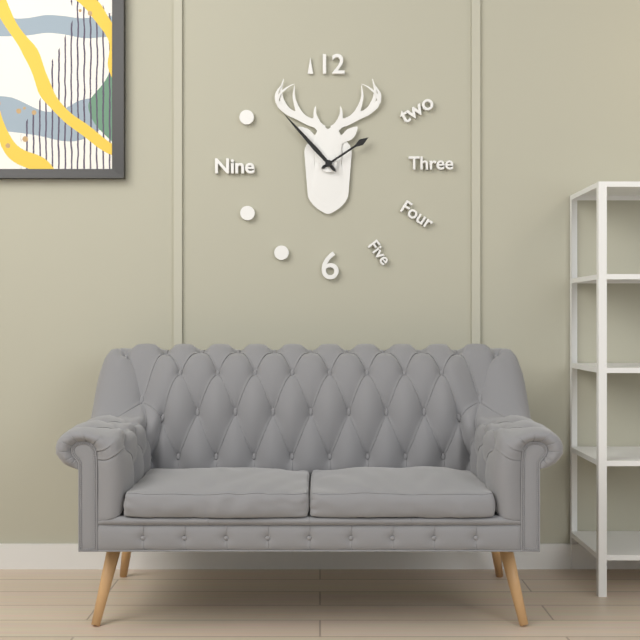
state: 1:53
